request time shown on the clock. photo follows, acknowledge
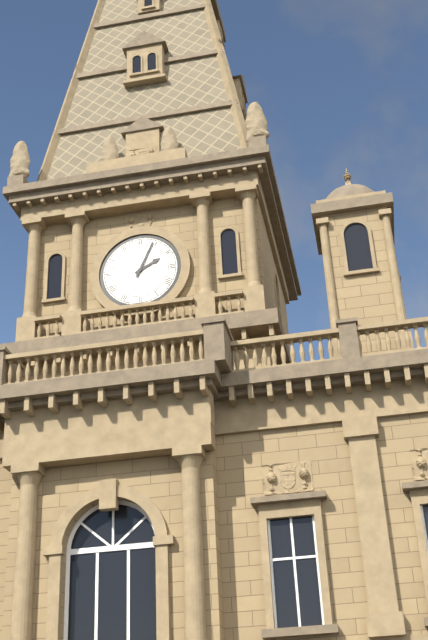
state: 2:04
